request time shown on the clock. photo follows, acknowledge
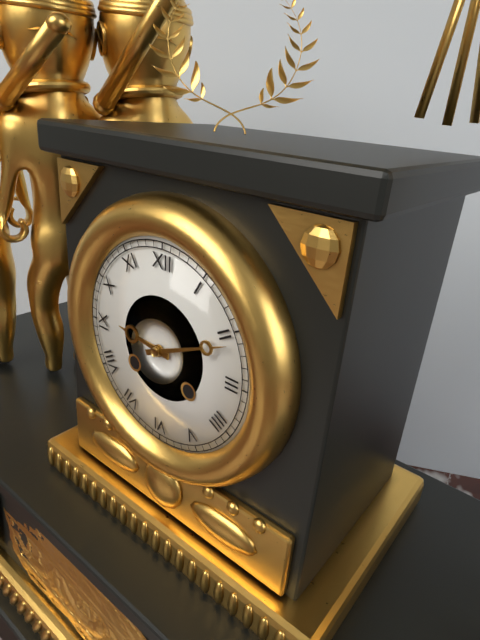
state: 9:11
